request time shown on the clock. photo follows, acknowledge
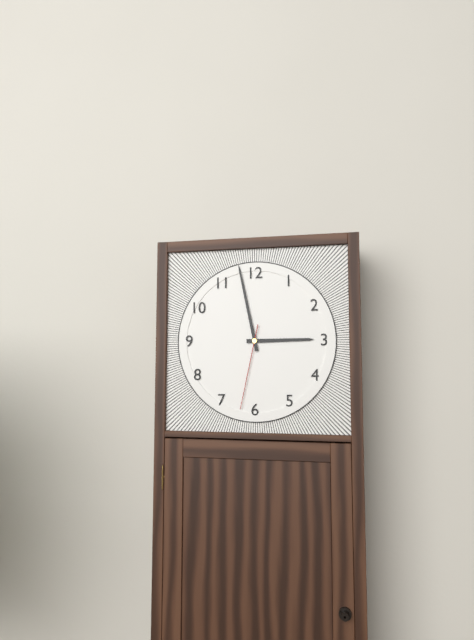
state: 2:58:32
